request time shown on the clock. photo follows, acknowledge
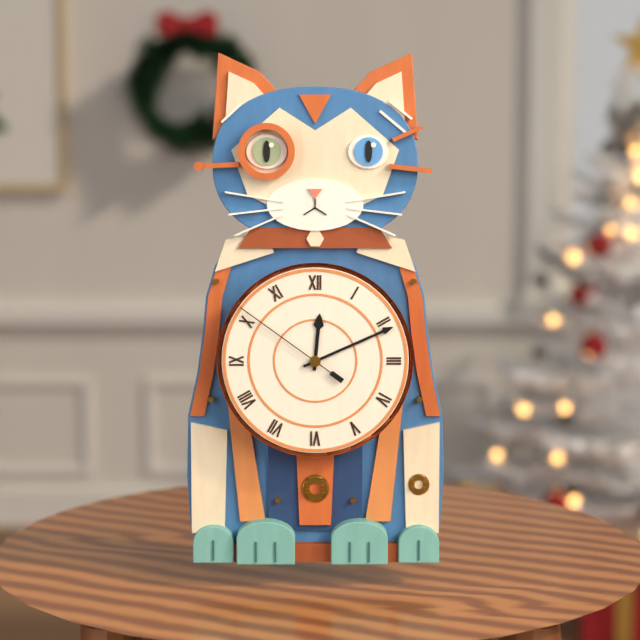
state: 12:11:51
